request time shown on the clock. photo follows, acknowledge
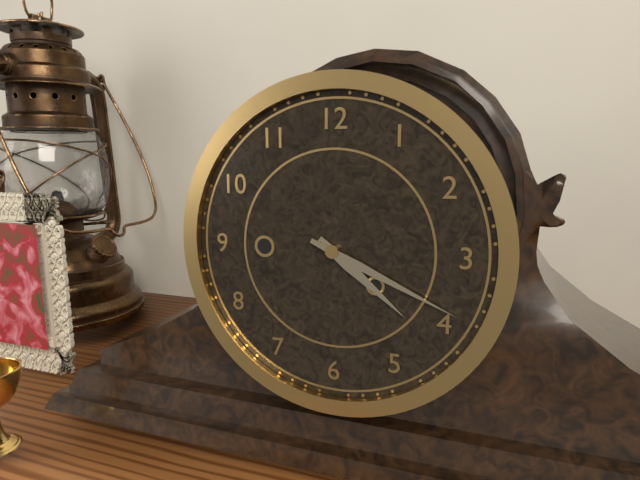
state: 4:19
